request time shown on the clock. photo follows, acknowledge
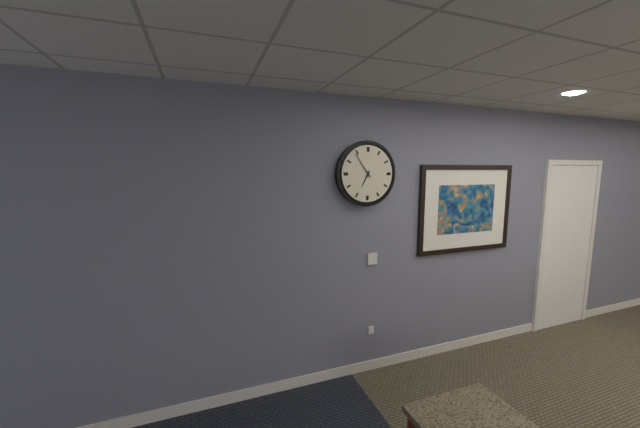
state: 6:54
